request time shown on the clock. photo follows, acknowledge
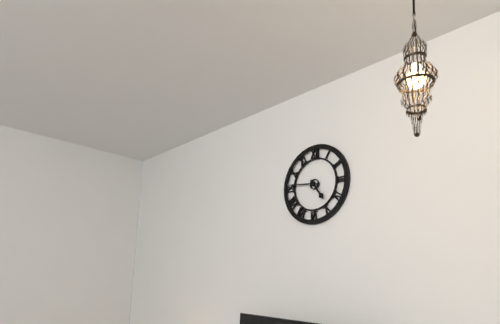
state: 4:46
